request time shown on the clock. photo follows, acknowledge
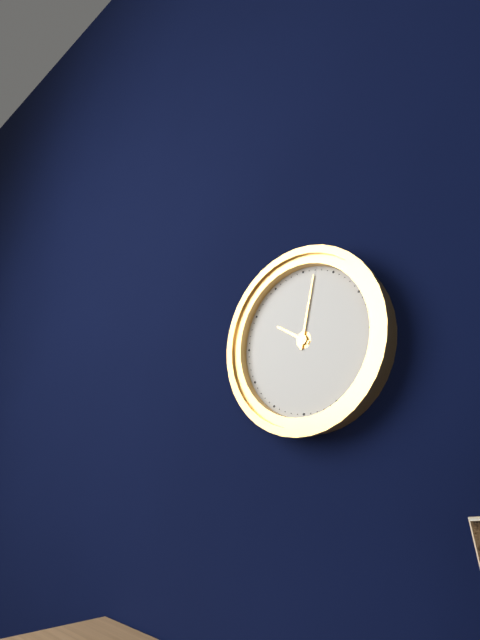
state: 10:02
